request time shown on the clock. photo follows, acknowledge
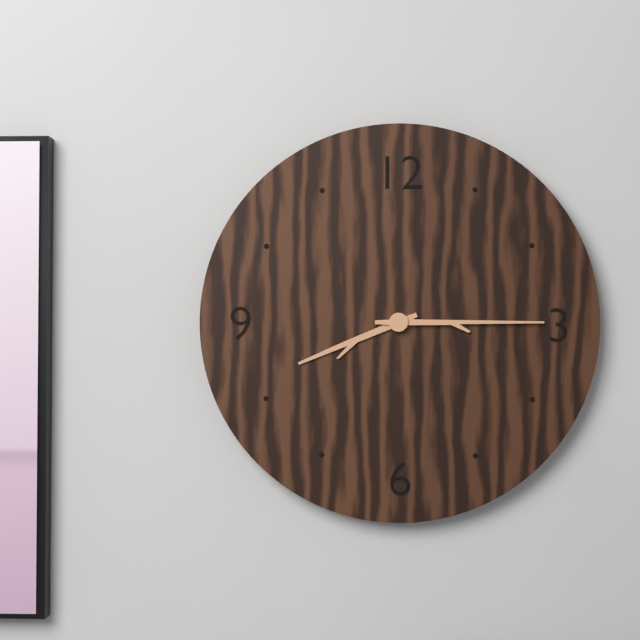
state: 8:15
